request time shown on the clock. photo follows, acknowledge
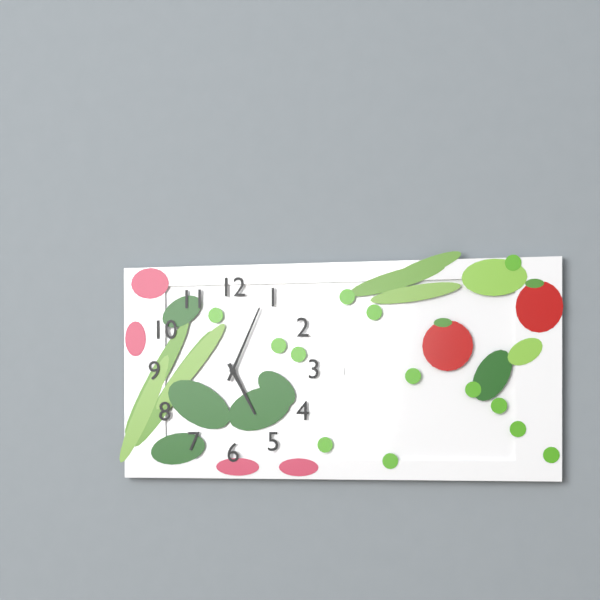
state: 5:04
